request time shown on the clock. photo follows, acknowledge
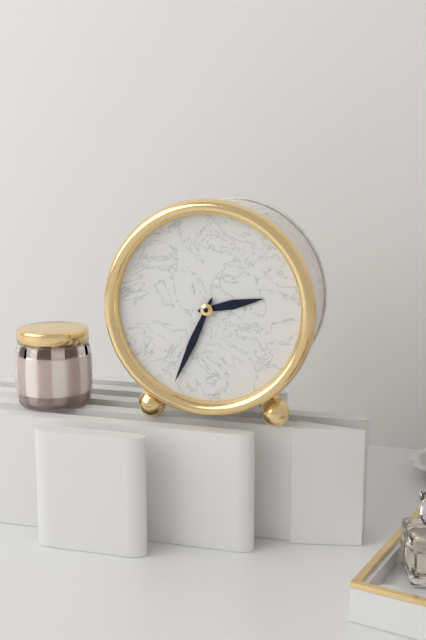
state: 2:34
